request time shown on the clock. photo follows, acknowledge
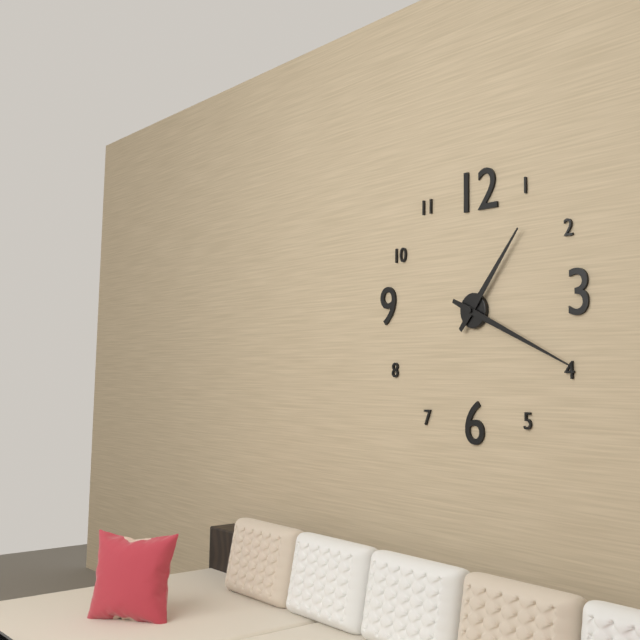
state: 1:19
